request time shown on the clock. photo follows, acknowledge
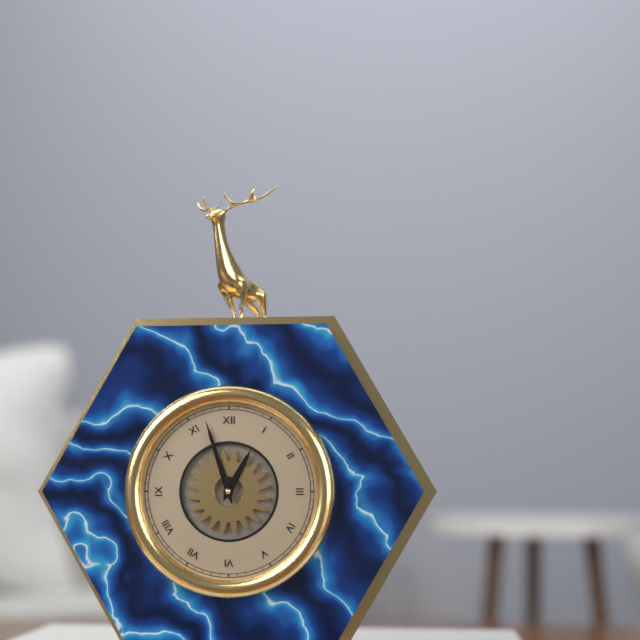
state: 12:57
